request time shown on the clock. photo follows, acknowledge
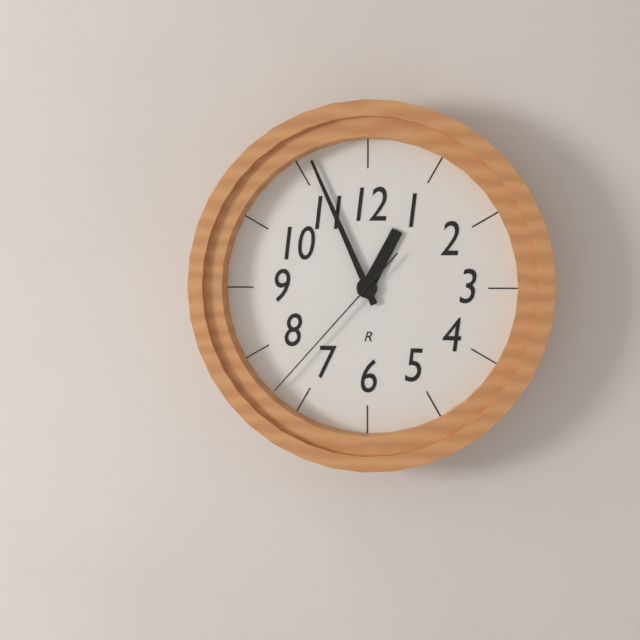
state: 12:56:37
